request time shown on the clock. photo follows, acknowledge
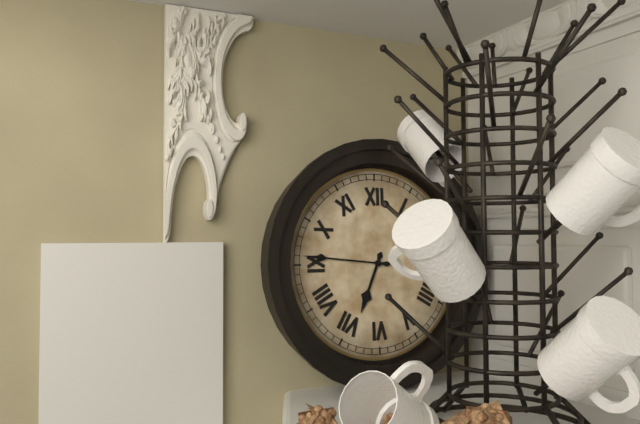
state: 6:46
